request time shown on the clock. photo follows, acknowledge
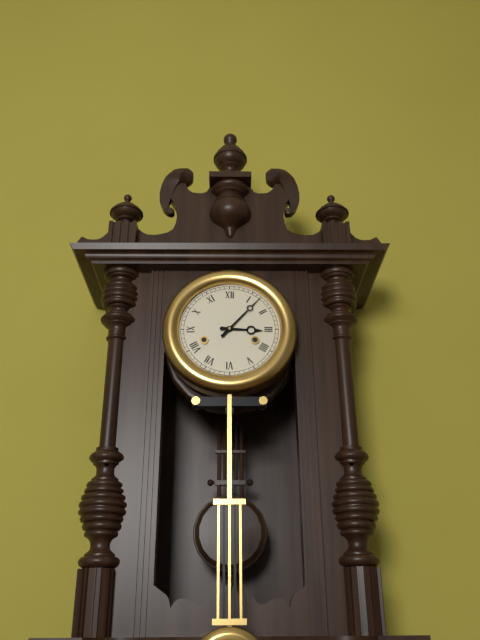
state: 3:07
